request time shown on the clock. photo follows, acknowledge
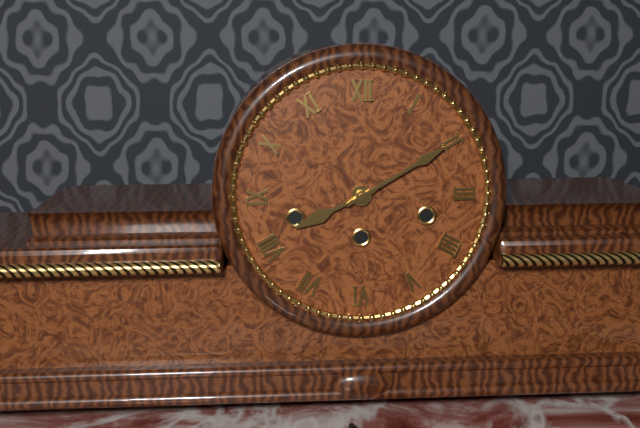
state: 8:10
